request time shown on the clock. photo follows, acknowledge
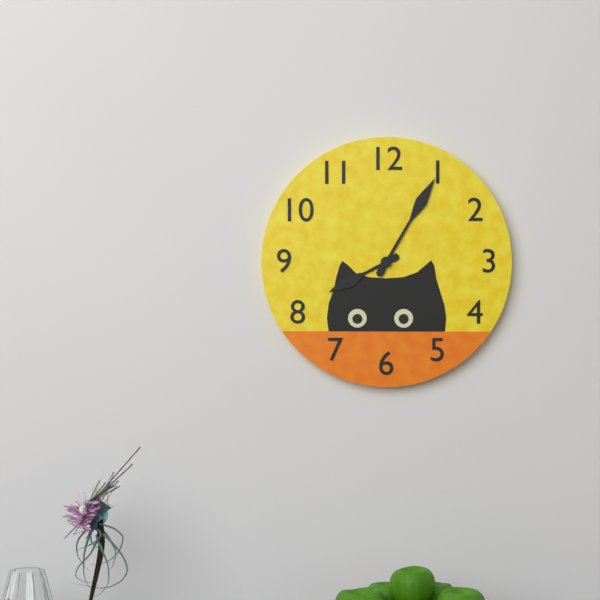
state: 8:05
